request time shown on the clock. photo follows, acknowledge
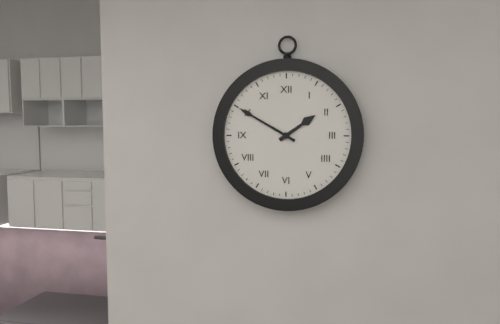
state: 1:50
